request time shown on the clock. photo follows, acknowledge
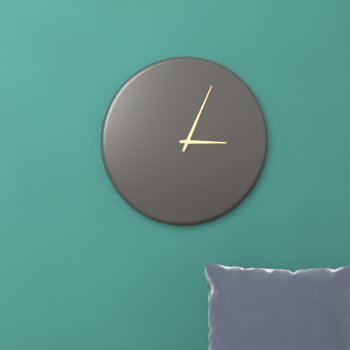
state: 3:04
